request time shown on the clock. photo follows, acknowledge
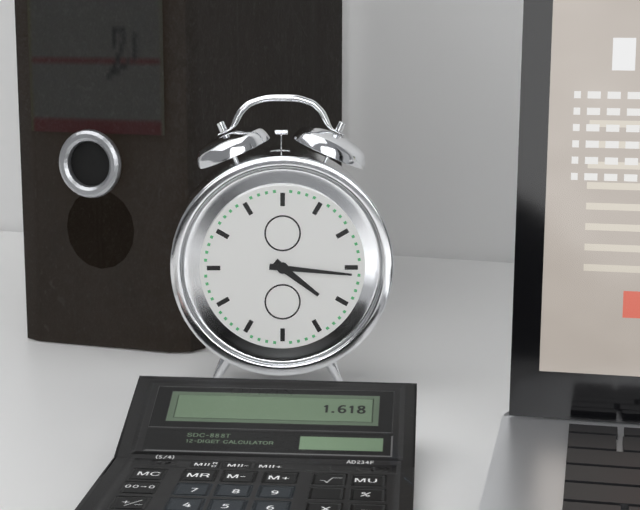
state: 4:16
